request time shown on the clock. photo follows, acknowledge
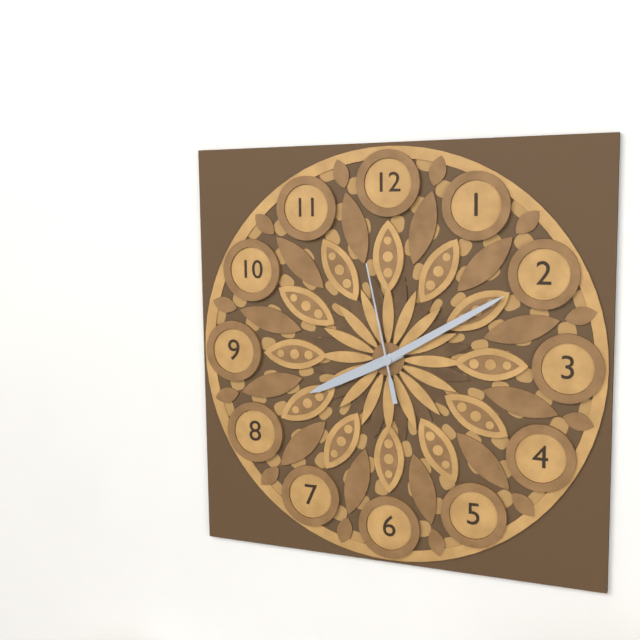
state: 8:10:58
